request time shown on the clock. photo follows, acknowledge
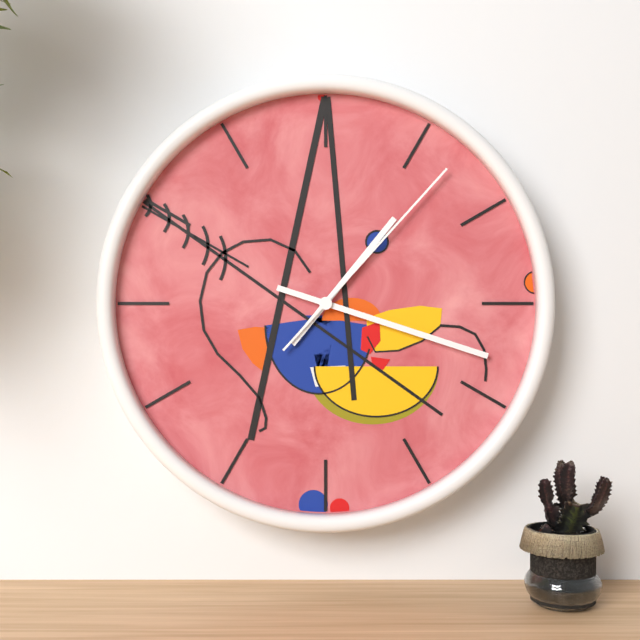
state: 1:18:07
